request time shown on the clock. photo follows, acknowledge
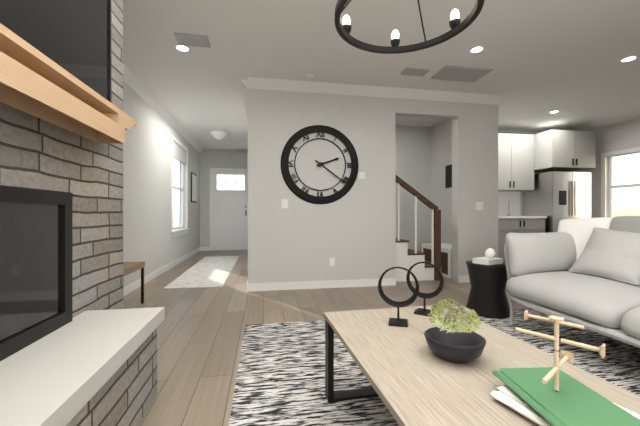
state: 2:21
